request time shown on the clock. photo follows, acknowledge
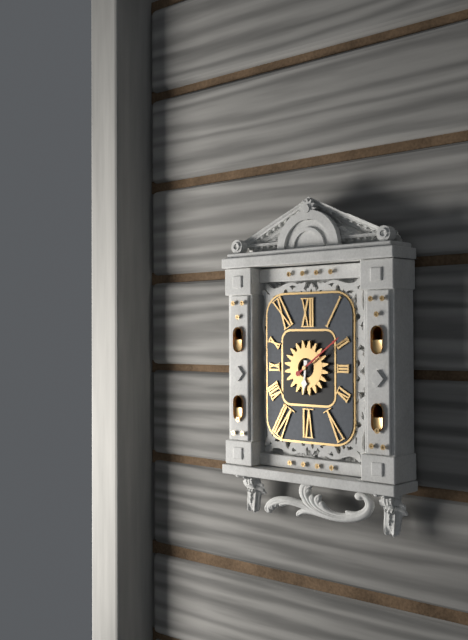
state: 6:09
